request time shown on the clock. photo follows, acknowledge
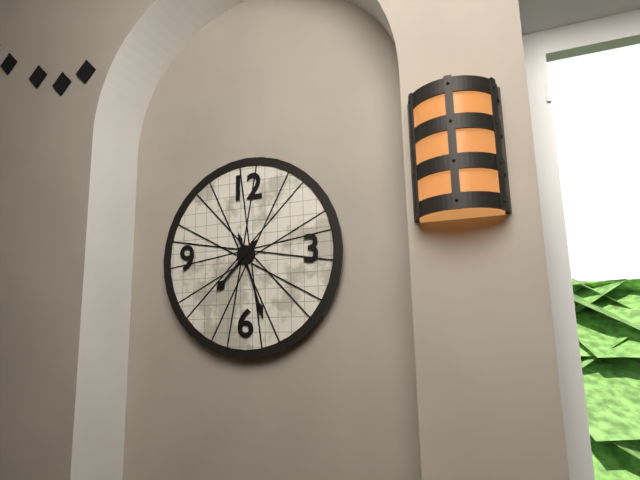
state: 7:27
